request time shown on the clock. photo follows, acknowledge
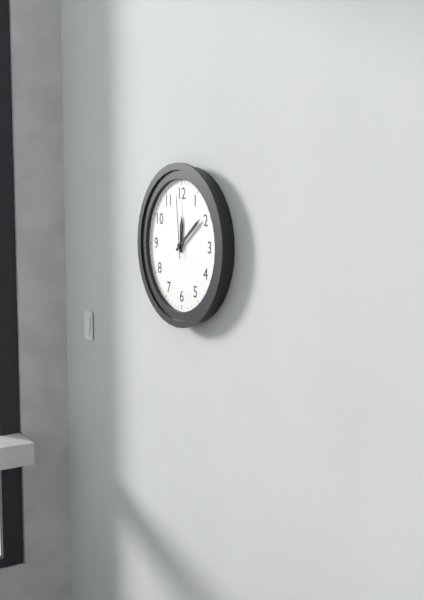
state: 12:09:59
